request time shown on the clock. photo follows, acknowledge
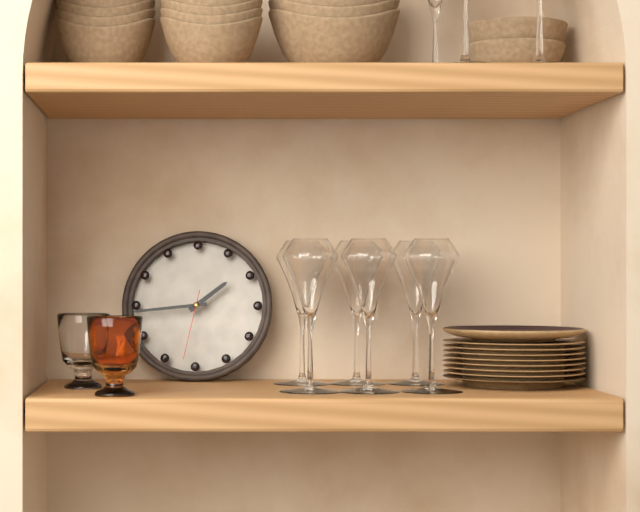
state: 1:44:32
